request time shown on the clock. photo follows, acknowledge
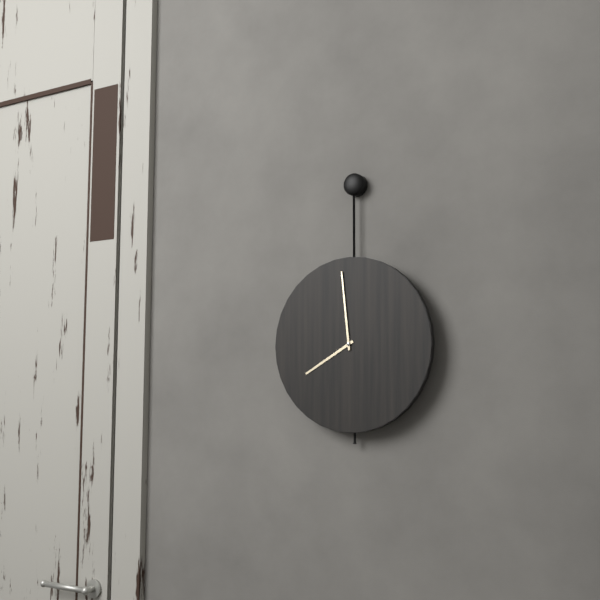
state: 7:59
